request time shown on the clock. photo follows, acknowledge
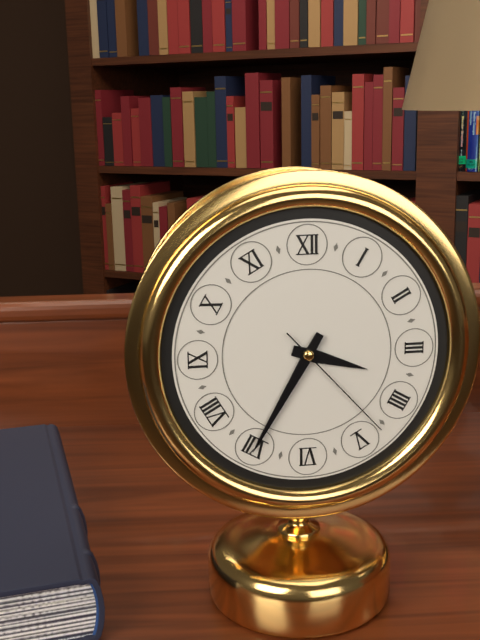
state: 3:35:23
